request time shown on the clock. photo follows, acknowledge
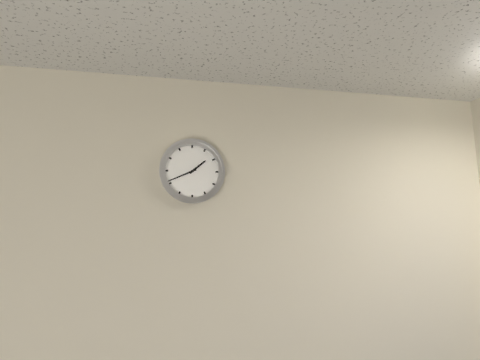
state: 1:41
